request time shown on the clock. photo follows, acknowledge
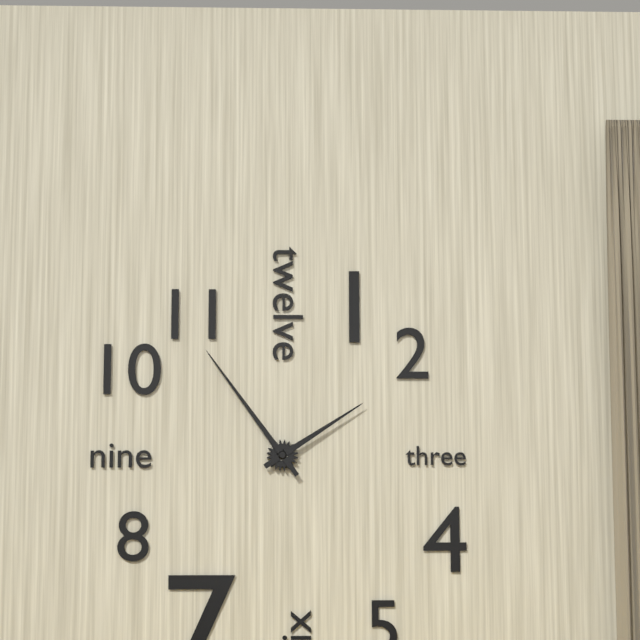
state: 1:54
